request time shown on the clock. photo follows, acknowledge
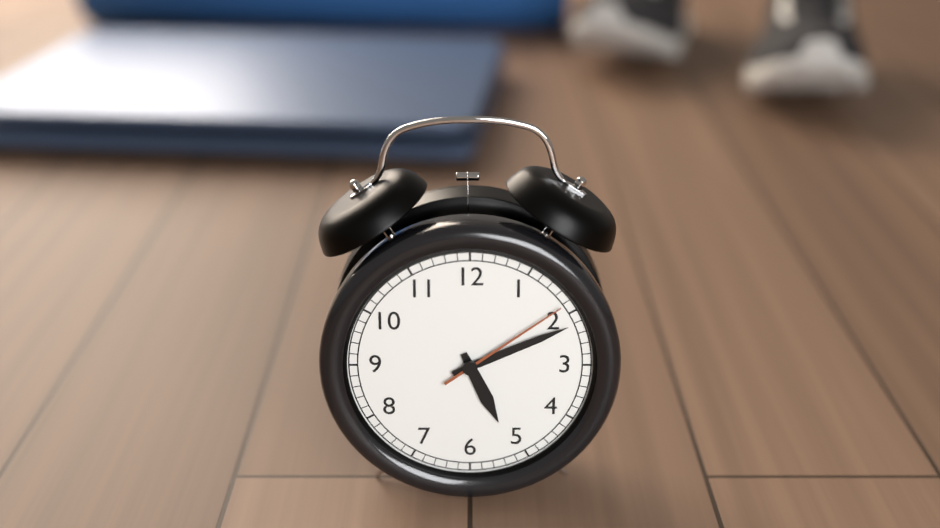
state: 5:11:09
